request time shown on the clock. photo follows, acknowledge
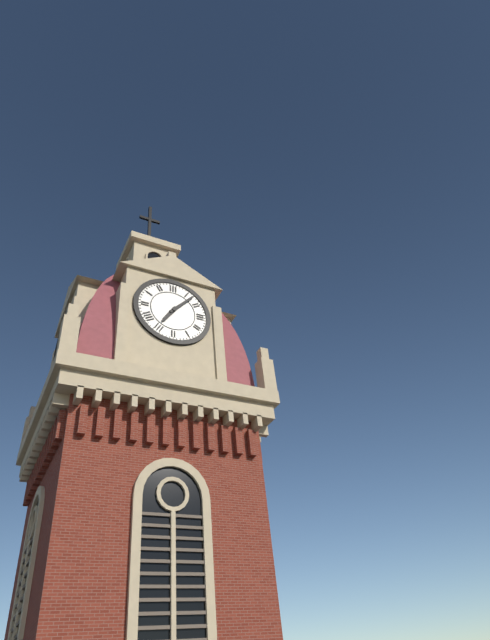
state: 7:07
